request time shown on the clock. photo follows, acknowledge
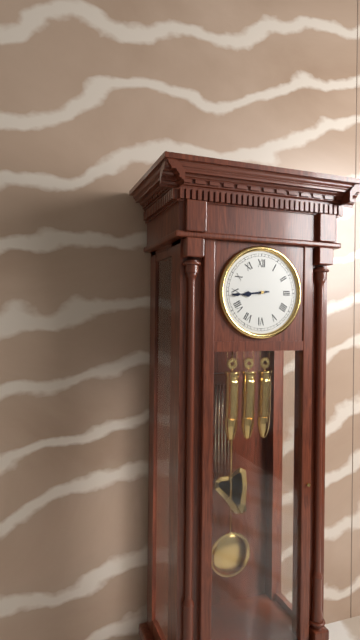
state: 8:44
